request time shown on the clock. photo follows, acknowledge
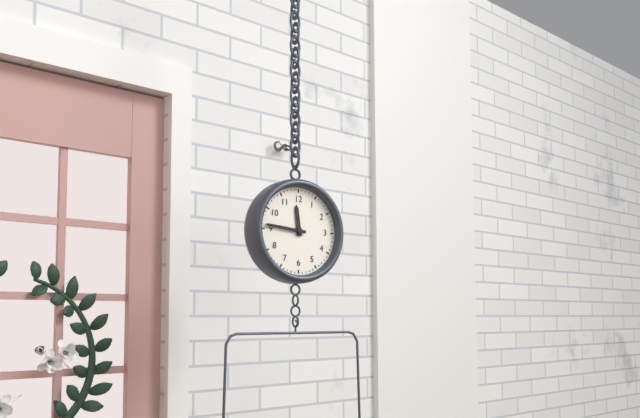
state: 11:46
